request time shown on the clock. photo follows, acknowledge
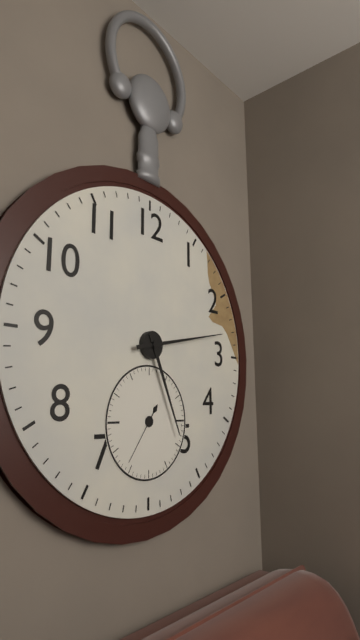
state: 5:13:36
